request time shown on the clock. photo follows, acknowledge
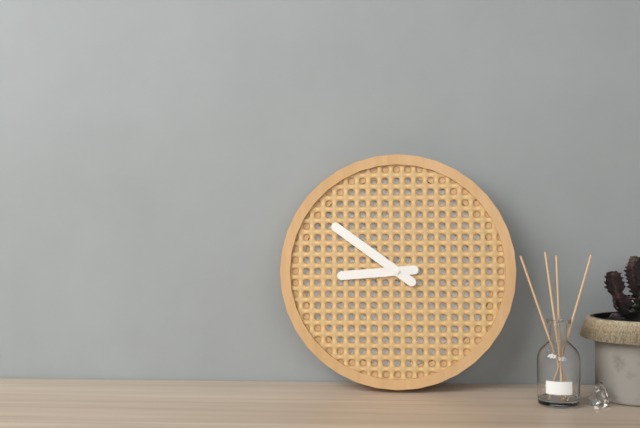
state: 8:51
